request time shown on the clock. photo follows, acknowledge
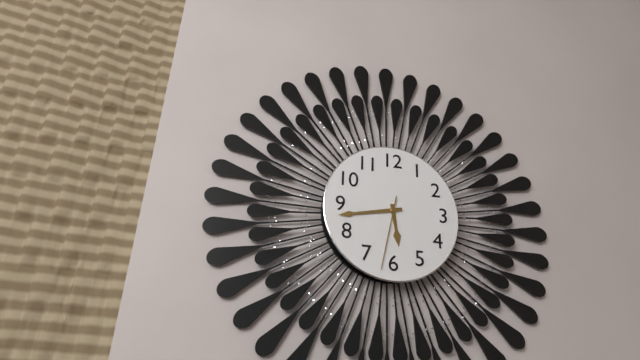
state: 5:43:32
